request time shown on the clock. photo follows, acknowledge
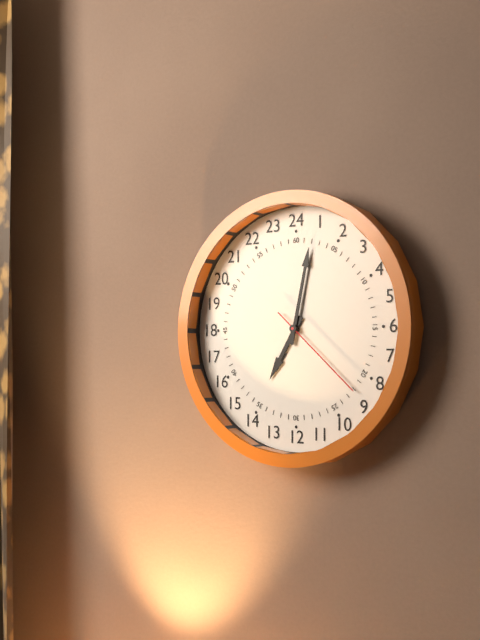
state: 7:02:22
